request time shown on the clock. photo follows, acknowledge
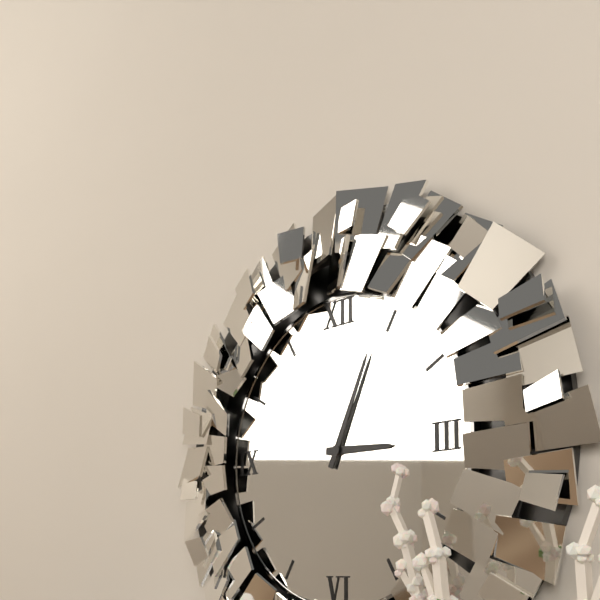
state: 3:04
